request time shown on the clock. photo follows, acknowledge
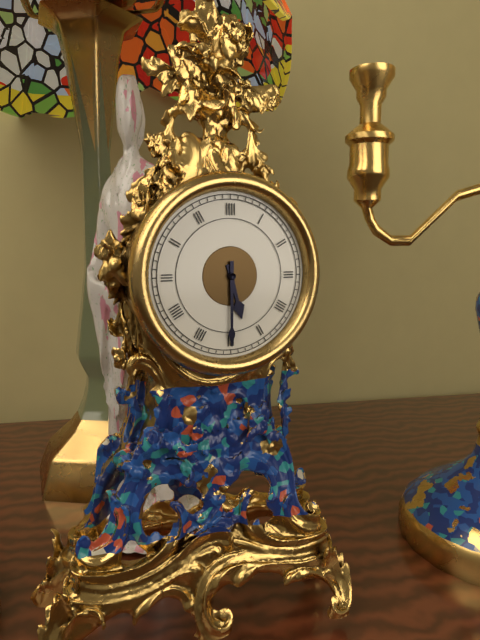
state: 5:30
